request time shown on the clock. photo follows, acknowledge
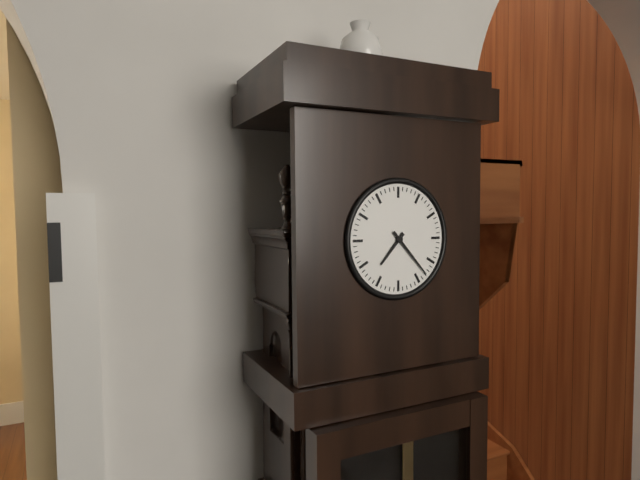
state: 7:23
